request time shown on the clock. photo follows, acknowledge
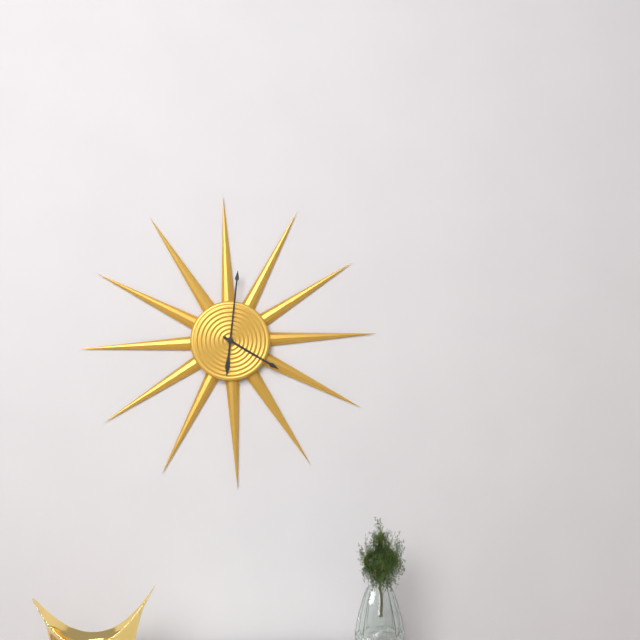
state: 4:01
